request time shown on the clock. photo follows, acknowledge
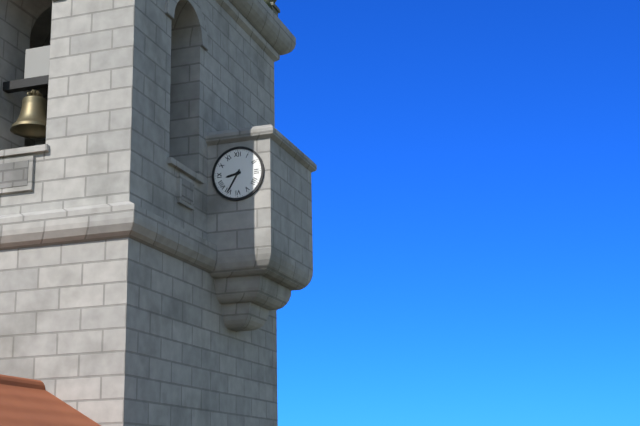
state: 8:35
